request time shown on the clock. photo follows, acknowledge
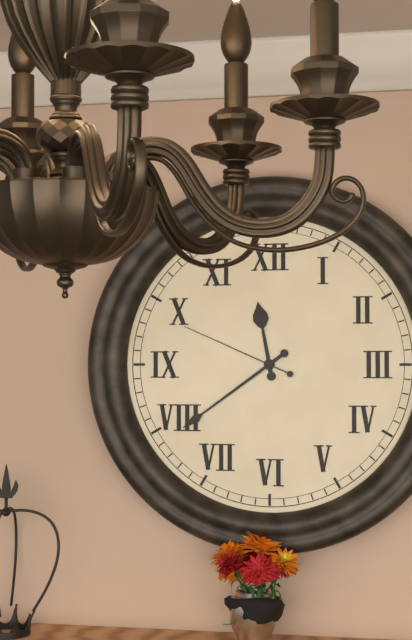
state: 11:39:49
